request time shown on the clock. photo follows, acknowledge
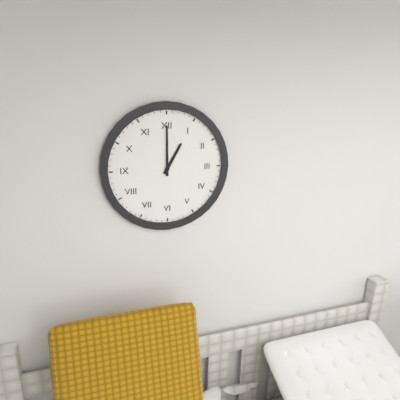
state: 1:00
